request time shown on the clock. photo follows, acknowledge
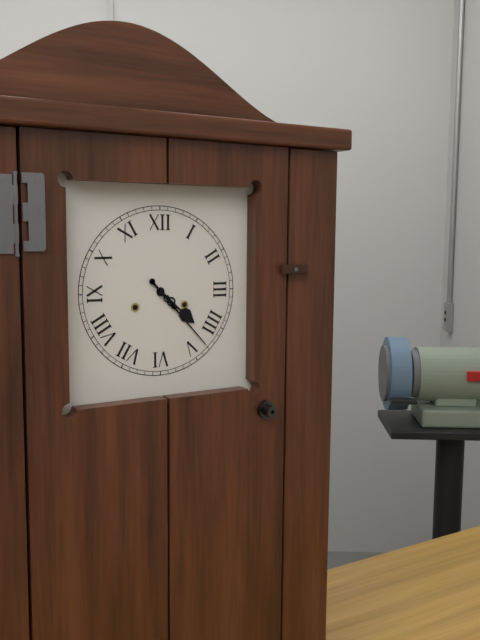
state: 4:23
